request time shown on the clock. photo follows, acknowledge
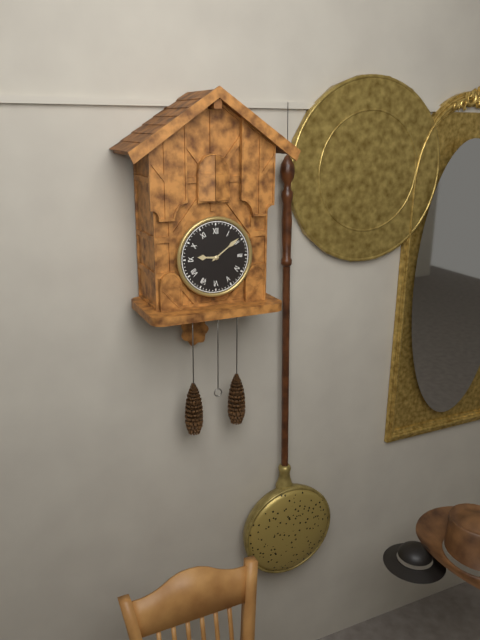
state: 9:09
